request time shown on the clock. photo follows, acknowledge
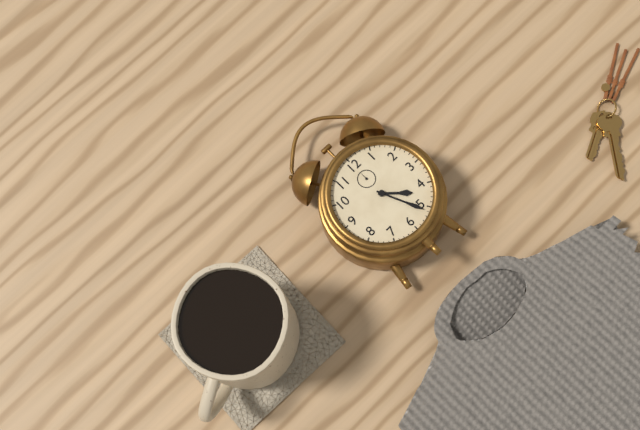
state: 4:26
